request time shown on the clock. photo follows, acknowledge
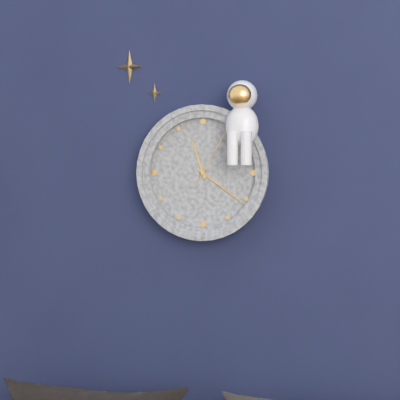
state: 11:21:05
